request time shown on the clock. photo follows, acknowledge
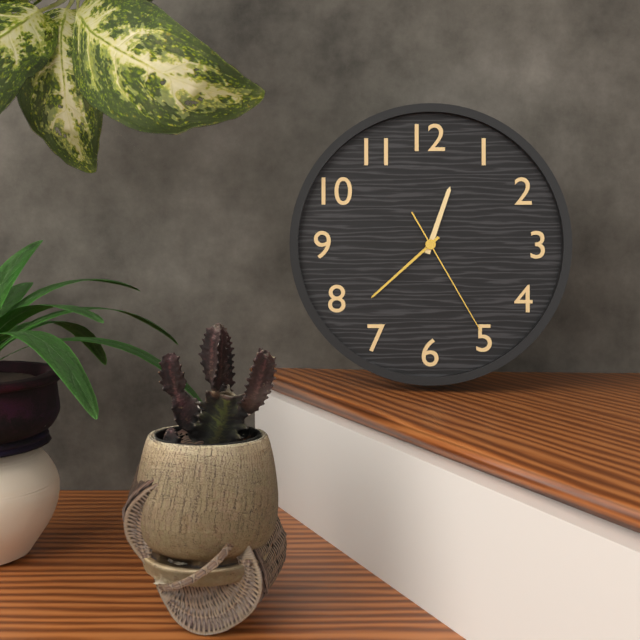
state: 12:38:25
